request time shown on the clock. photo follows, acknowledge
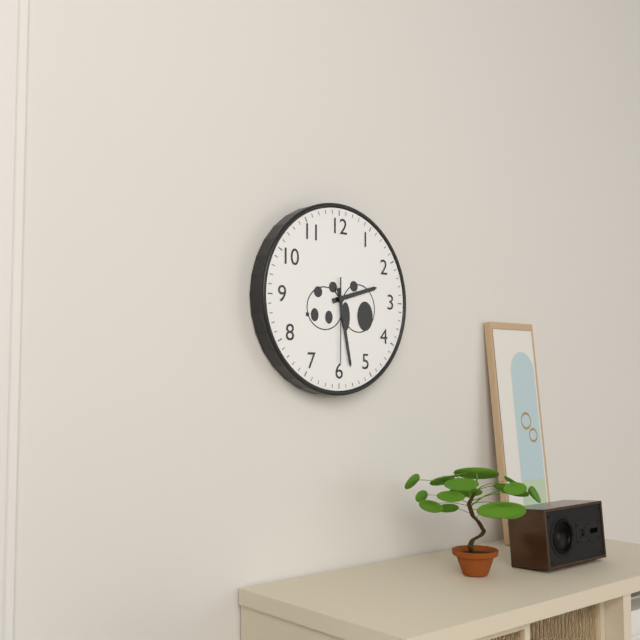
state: 2:28:30
